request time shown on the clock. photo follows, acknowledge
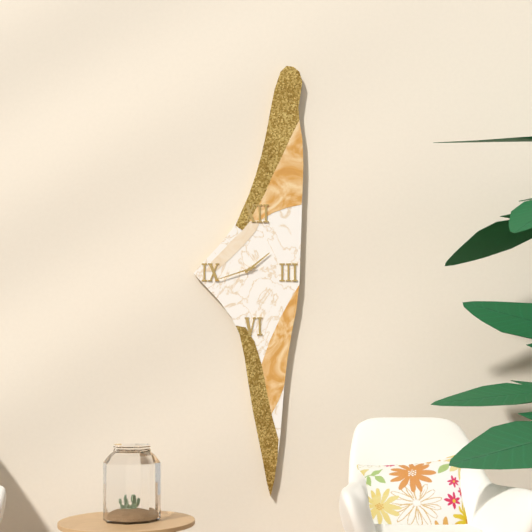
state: 1:42
